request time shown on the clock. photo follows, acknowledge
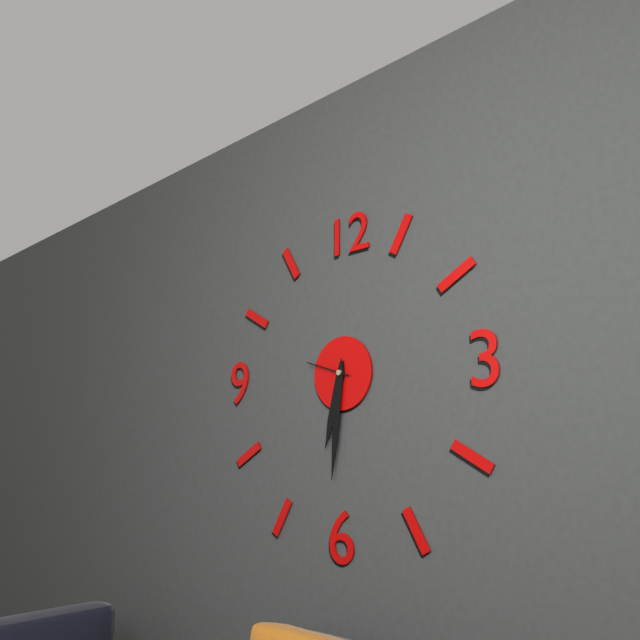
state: 6:31
